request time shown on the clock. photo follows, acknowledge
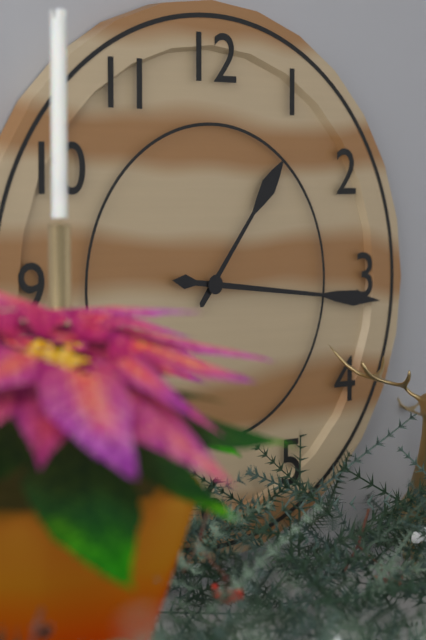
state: 1:16
